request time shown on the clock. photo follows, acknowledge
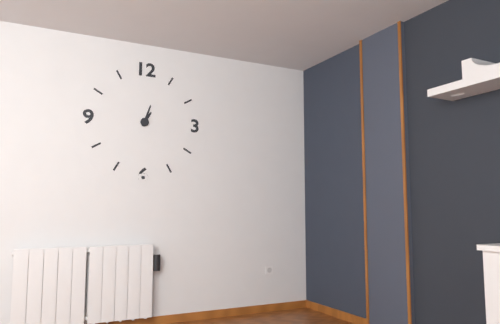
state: 1:03
